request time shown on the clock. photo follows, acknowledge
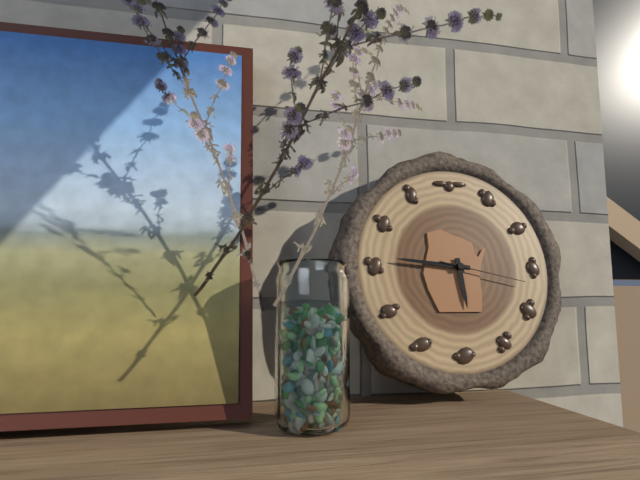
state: 5:46:17
